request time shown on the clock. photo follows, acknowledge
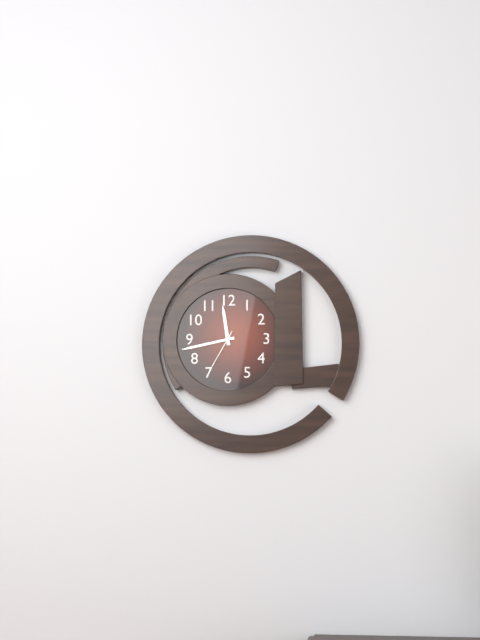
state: 11:43:35
